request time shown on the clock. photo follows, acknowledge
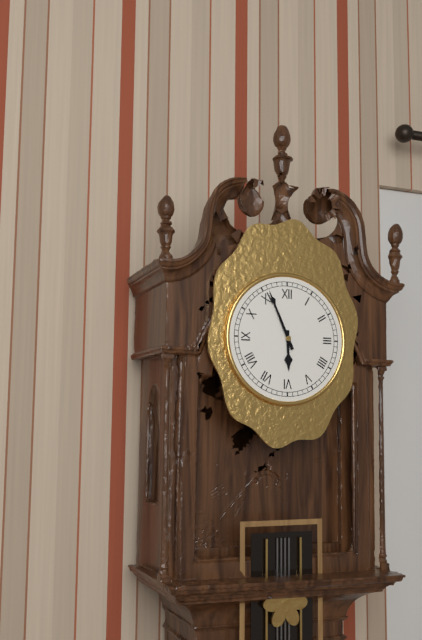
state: 5:56
